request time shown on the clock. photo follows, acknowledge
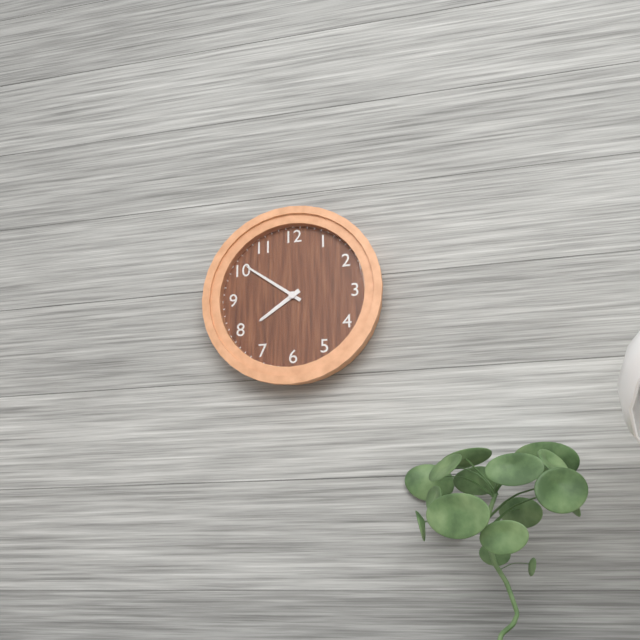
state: 7:51
